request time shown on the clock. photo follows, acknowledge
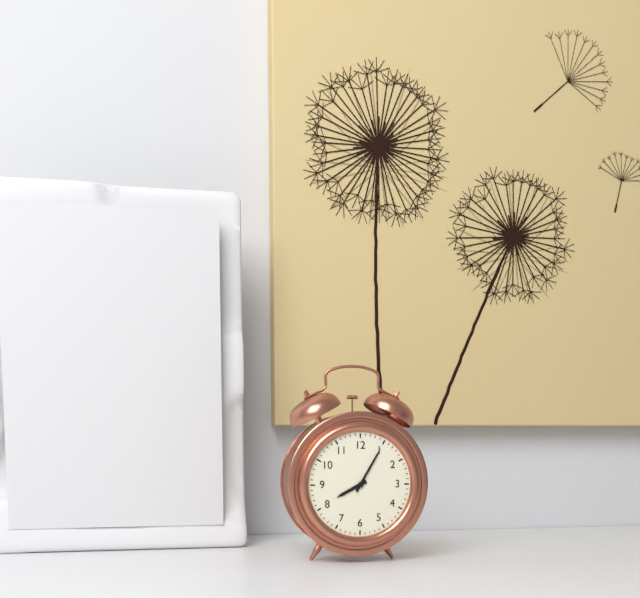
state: 8:05
